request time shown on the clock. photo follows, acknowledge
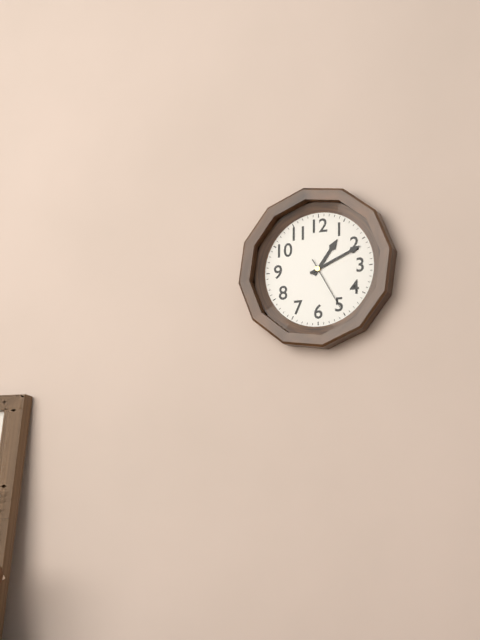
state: 1:11:25
